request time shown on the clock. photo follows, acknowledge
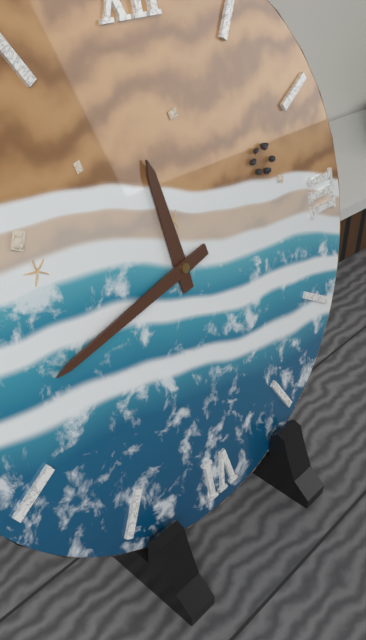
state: 11:43
